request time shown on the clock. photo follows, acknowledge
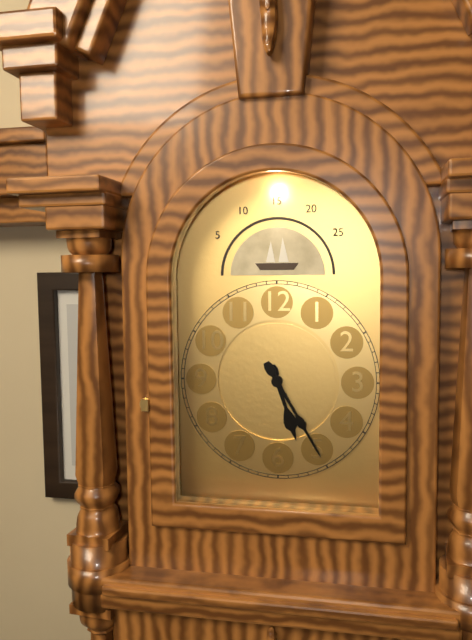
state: 5:25
